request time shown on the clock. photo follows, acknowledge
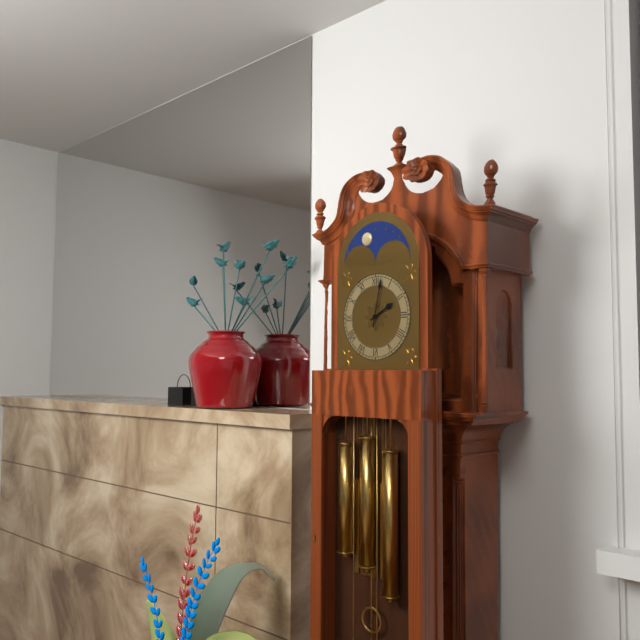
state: 2:02
